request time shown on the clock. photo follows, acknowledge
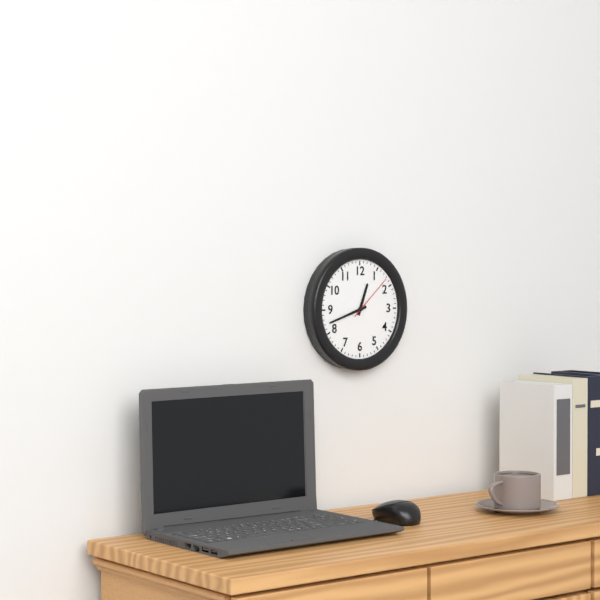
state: 12:42:08
